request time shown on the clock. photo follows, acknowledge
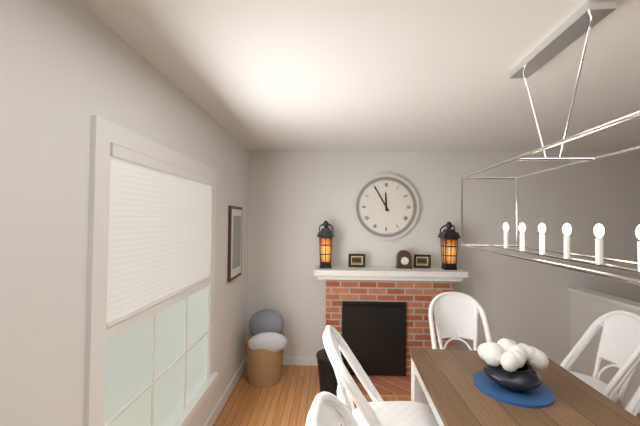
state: 11:55
